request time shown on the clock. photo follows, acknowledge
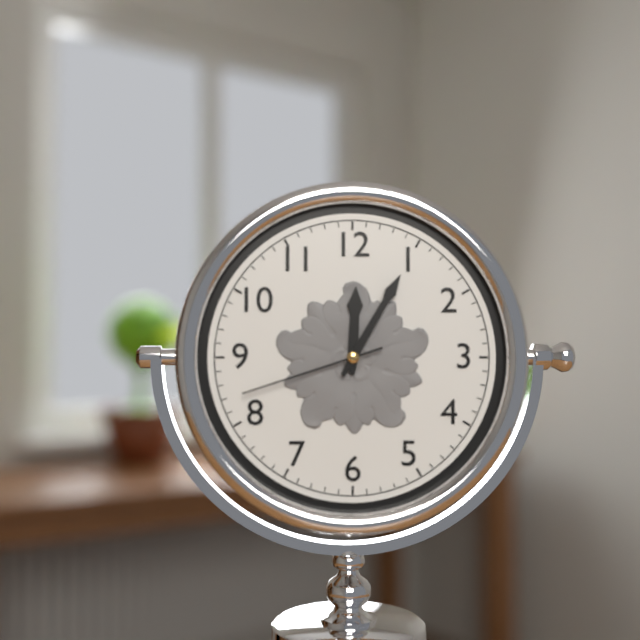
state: 12:05:42
